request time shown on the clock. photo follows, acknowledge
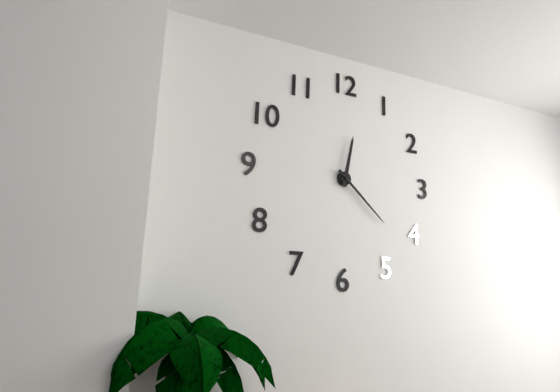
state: 12:22
